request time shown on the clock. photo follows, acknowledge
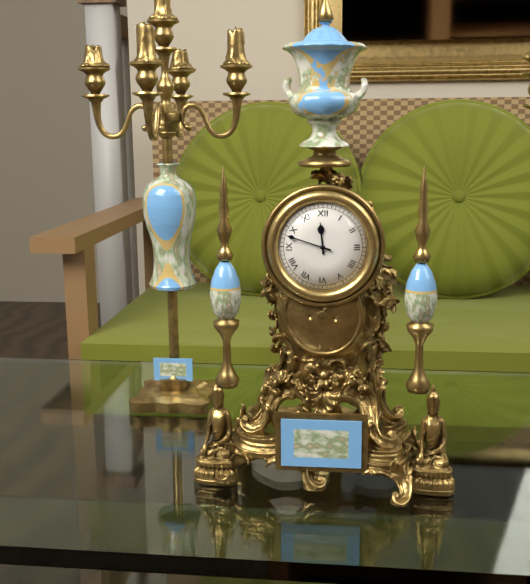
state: 11:48
